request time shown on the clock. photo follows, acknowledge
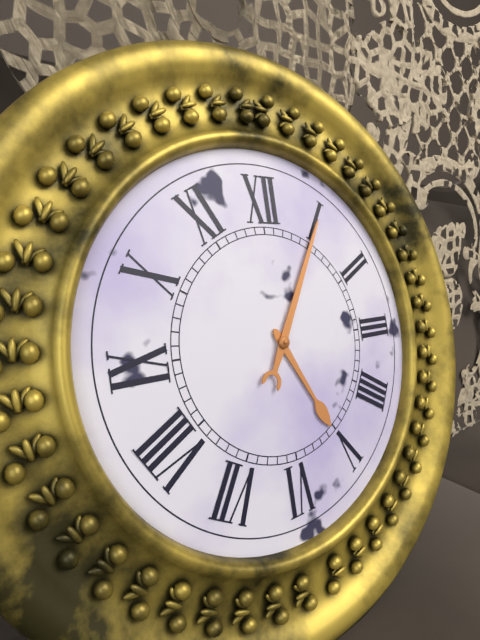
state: 5:05
